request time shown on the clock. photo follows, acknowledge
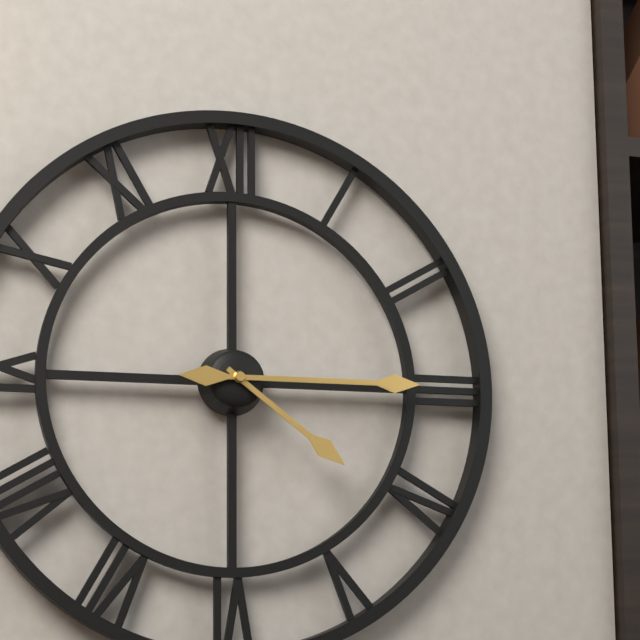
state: 4:15
